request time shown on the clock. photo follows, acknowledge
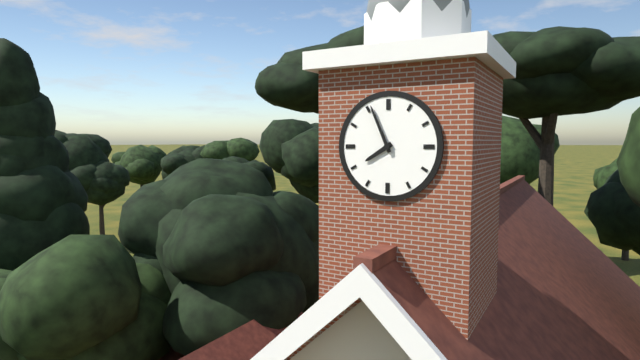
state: 7:56
